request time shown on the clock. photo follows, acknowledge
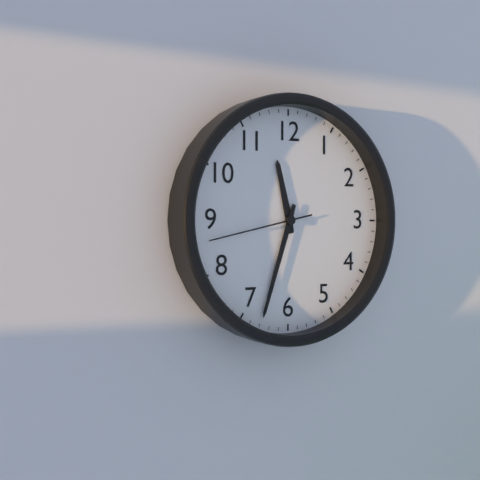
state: 11:33:43
